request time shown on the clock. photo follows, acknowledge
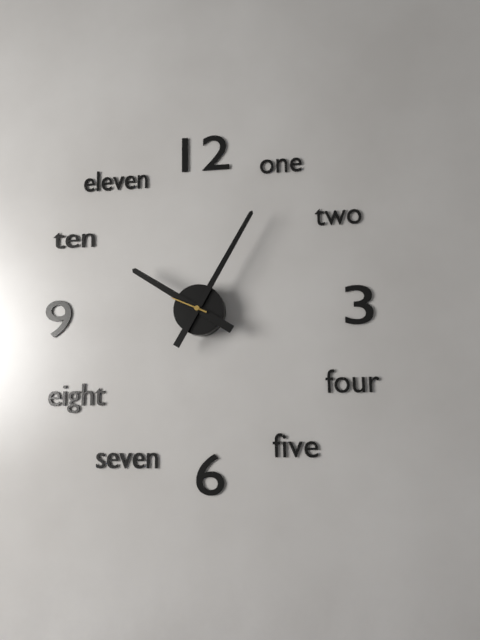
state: 10:05
